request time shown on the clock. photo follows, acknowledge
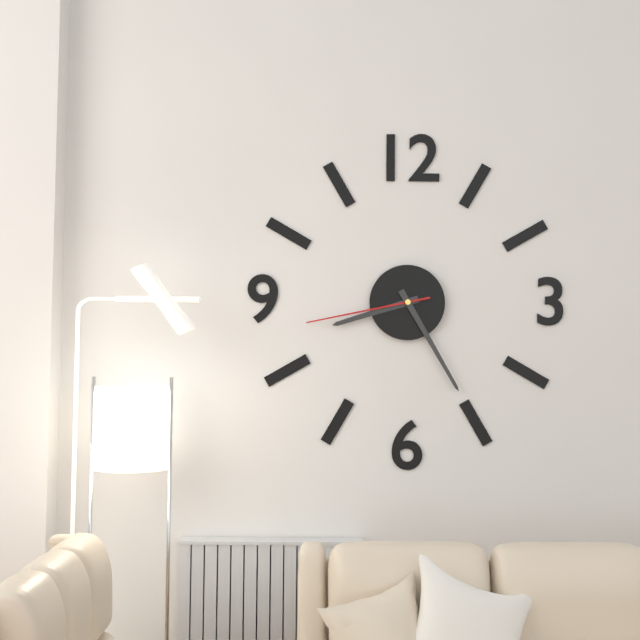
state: 8:25:43
